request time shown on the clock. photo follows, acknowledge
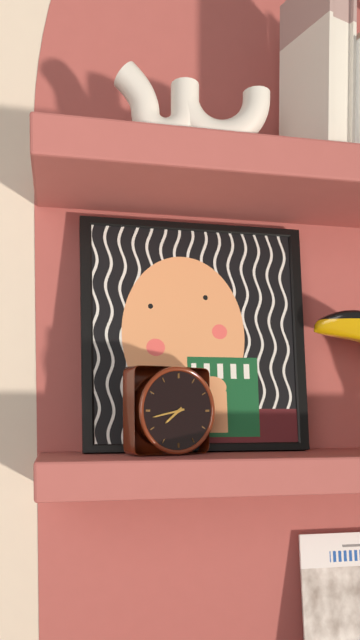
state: 7:43
